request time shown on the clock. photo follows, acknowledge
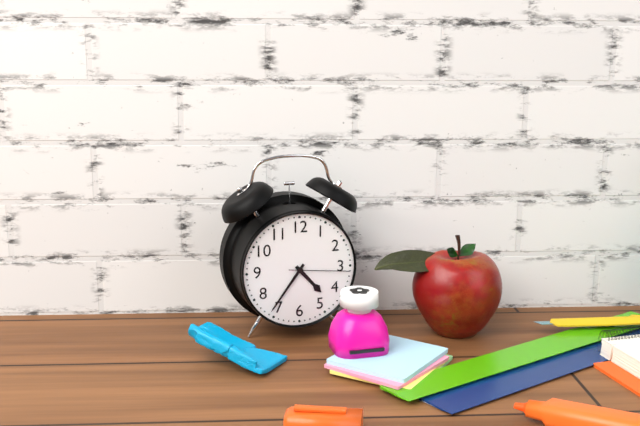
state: 4:36:16
